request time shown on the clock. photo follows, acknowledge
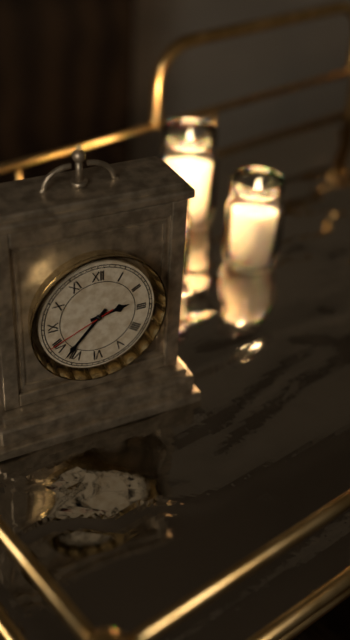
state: 2:37:41
